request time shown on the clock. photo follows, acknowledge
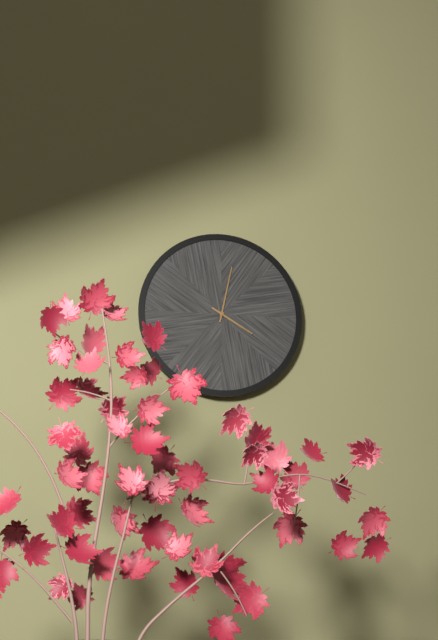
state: 4:02
